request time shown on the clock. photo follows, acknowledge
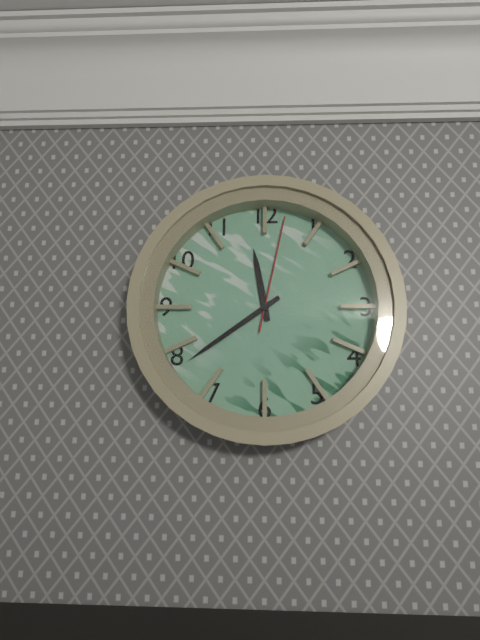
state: 11:39:02
